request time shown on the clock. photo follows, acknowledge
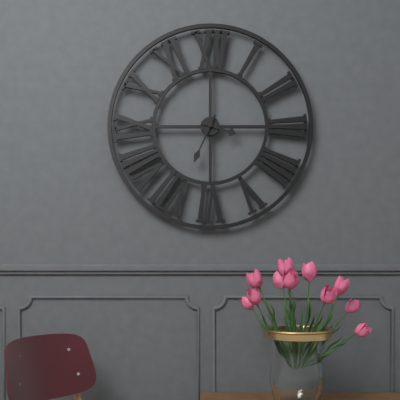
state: 3:34
